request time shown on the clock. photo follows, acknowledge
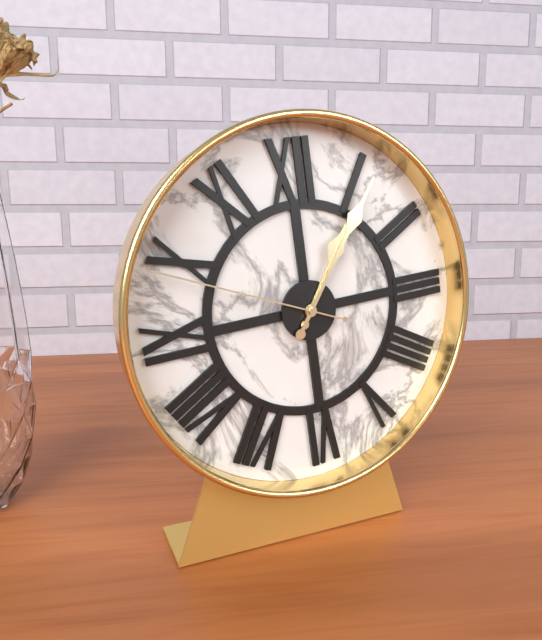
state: 1:06:49
